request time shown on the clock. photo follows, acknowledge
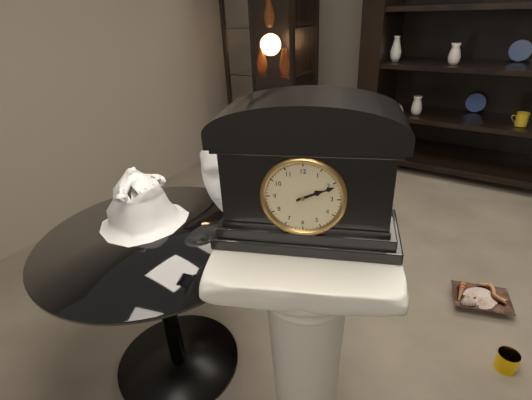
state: 2:11
